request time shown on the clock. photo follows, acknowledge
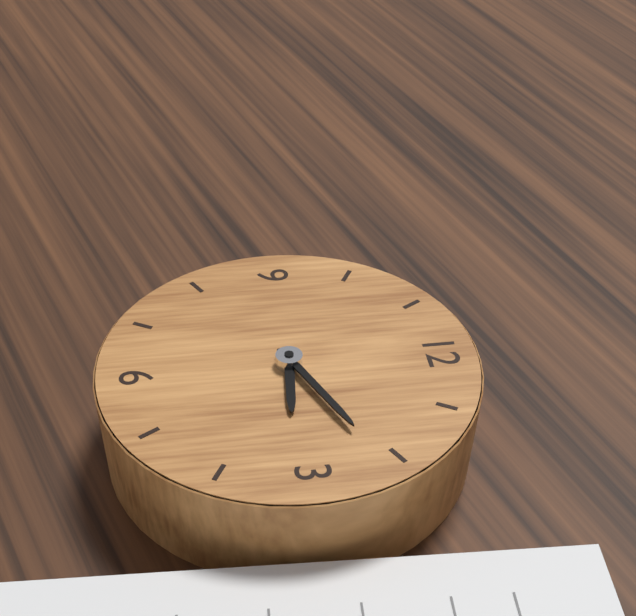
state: 3:11
